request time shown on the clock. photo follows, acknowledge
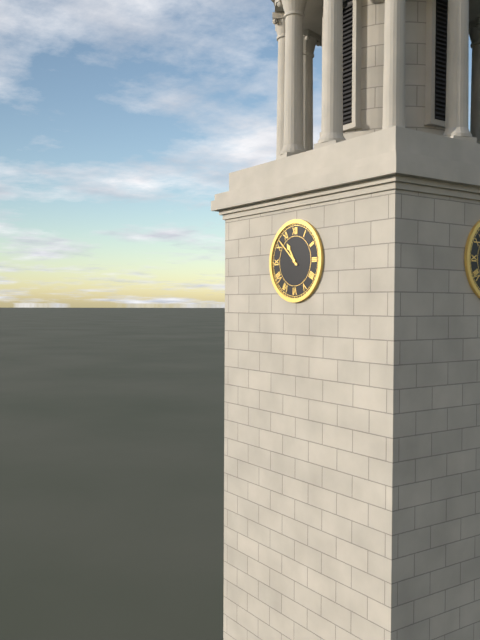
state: 10:52
